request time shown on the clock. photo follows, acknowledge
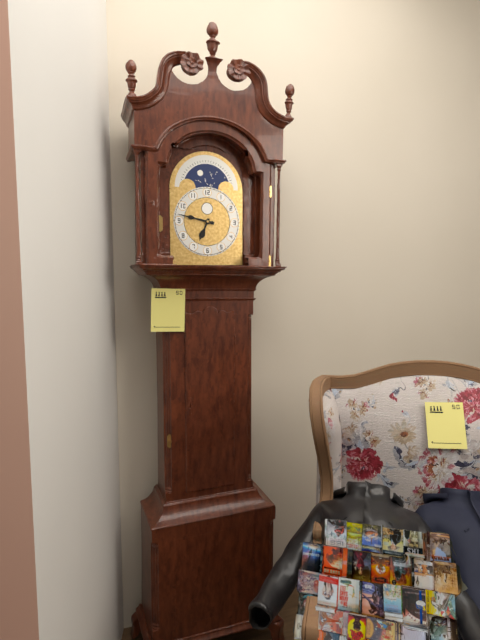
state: 6:47
